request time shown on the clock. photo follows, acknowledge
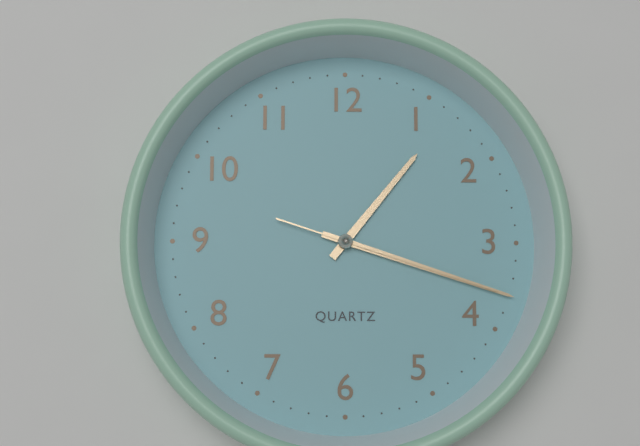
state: 1:18:18
